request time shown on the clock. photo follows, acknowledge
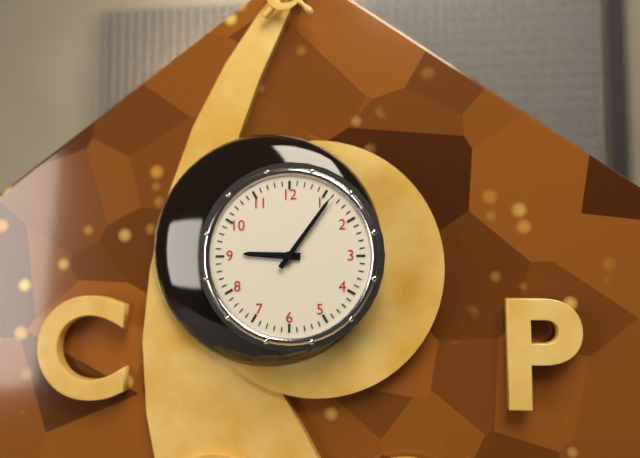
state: 9:06
